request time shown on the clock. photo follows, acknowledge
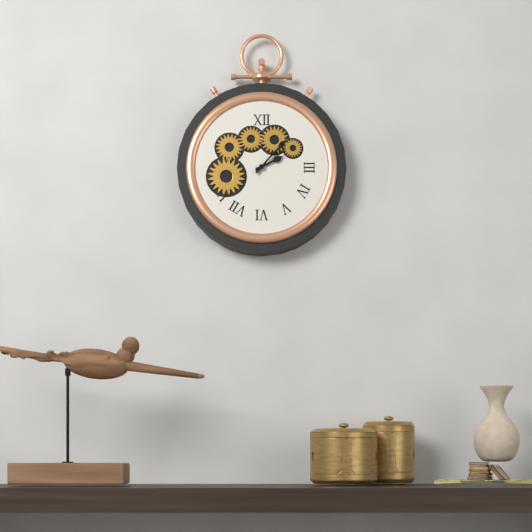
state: 2:07
